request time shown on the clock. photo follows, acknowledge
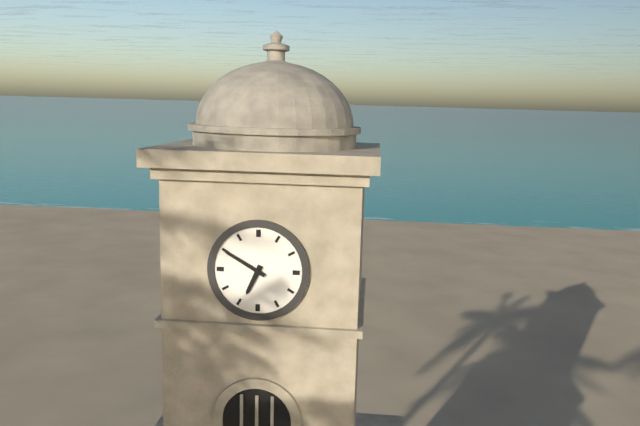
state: 6:50
